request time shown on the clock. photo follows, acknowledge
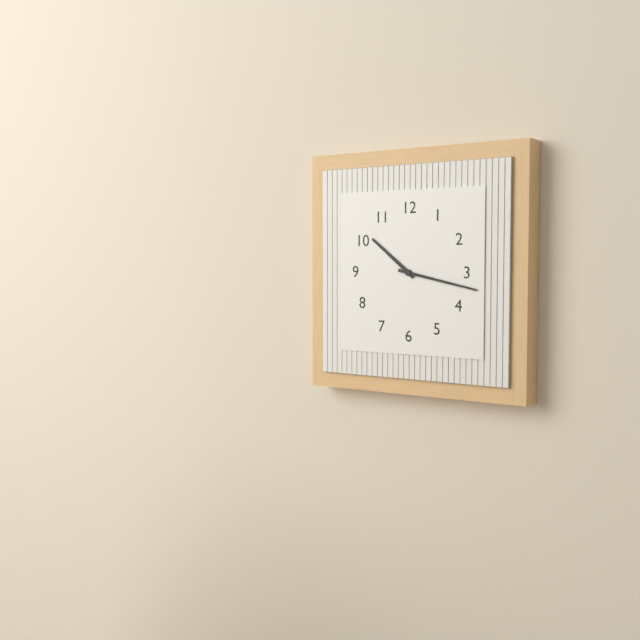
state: 10:17
